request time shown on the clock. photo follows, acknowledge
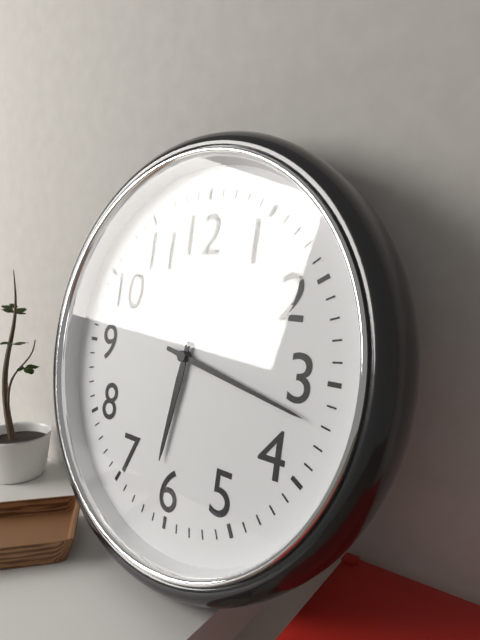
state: 6:17
